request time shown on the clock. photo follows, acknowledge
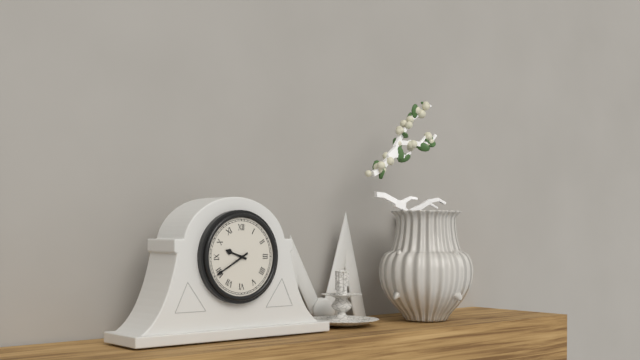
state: 9:40
